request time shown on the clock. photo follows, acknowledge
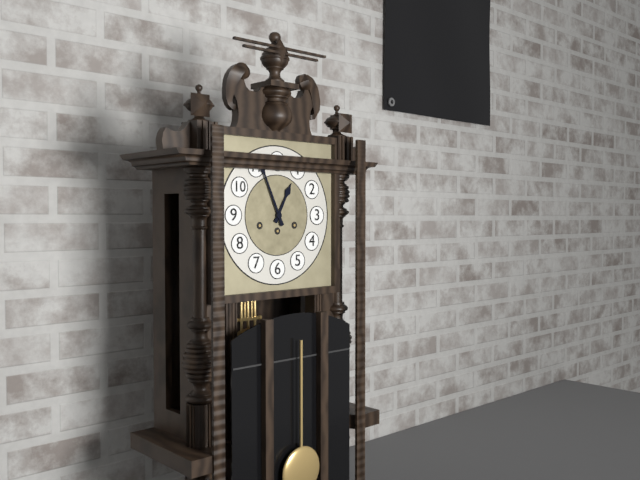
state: 12:56
